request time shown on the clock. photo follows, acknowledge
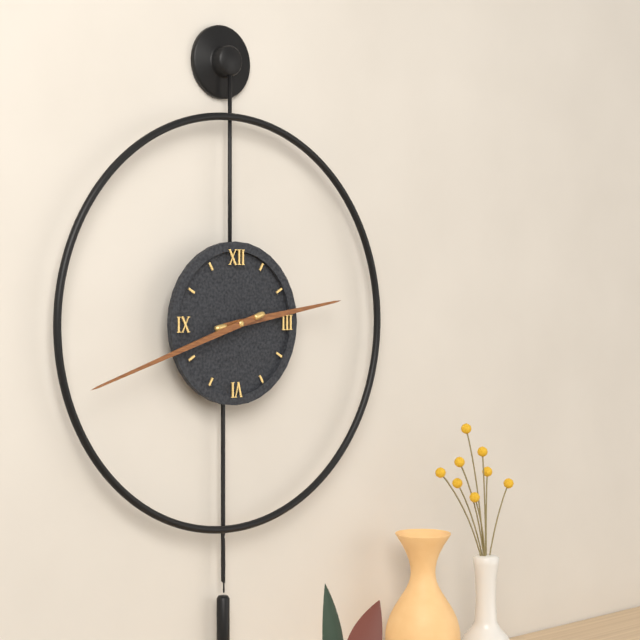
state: 2:42
